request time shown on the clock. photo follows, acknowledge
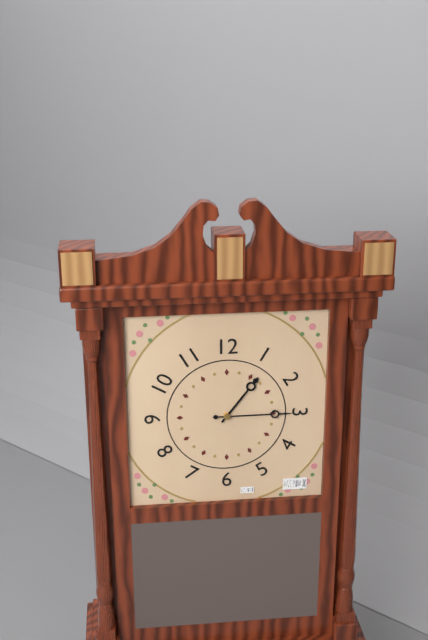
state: 1:15
